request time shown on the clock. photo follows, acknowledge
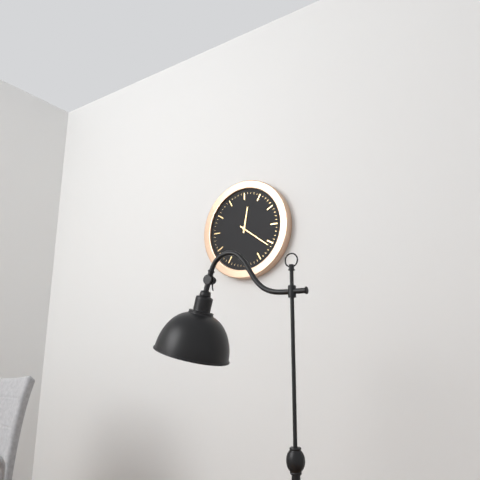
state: 12:21
